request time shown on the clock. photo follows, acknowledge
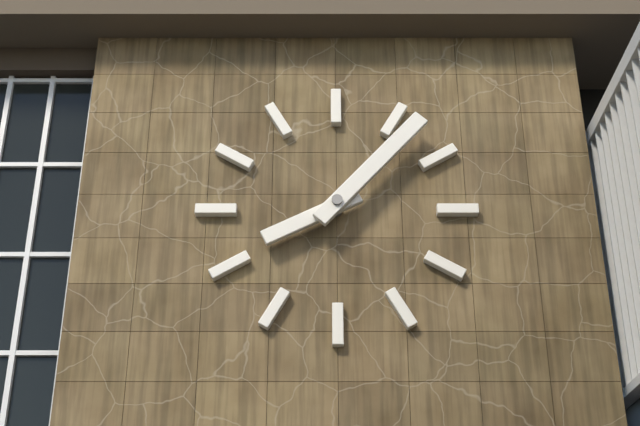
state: 8:07
